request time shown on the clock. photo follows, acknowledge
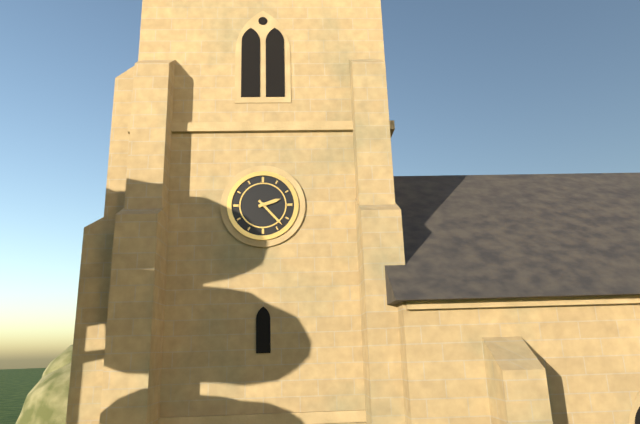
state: 2:23
